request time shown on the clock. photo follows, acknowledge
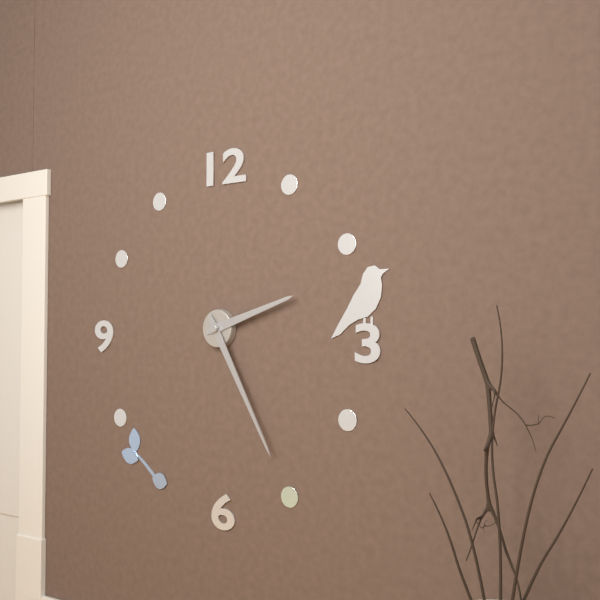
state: 2:25
